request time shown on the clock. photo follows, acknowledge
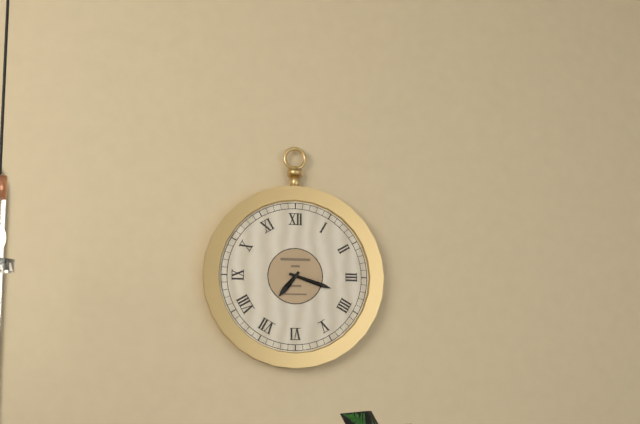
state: 7:18
